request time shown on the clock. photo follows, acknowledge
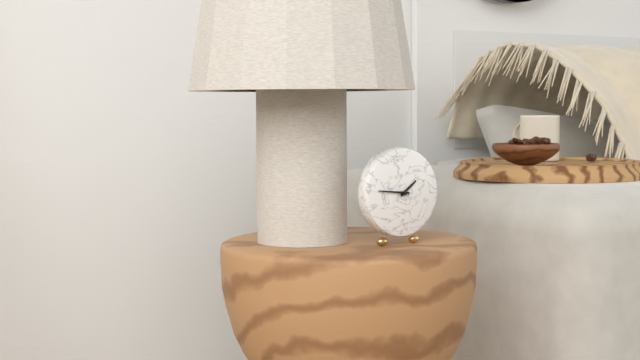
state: 1:46
